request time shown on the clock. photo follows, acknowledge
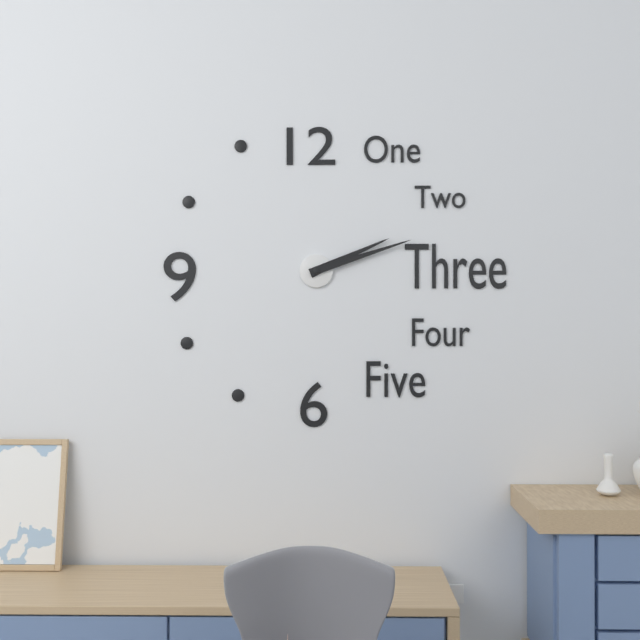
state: 2:12
